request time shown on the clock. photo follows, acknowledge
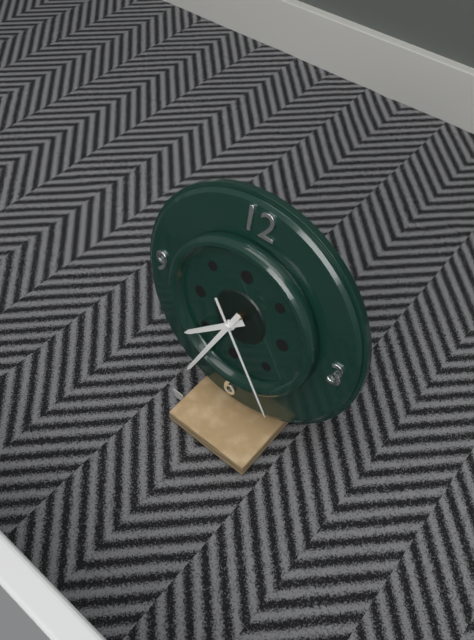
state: 7:34:24
